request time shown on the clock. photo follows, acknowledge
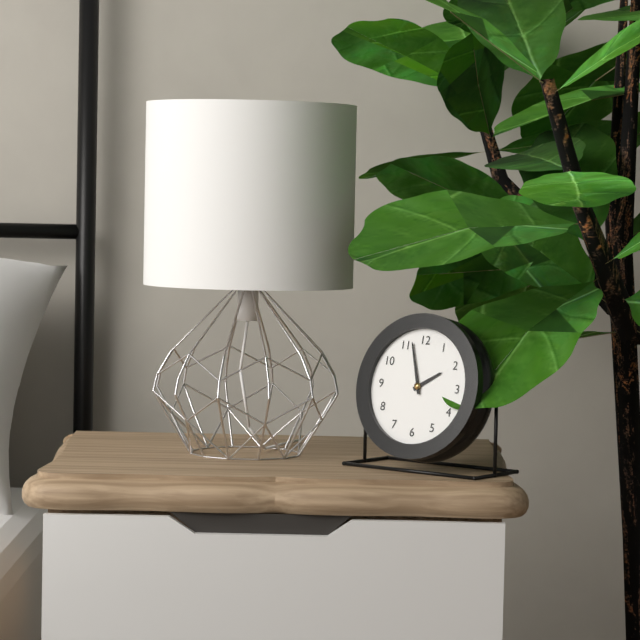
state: 1:57
